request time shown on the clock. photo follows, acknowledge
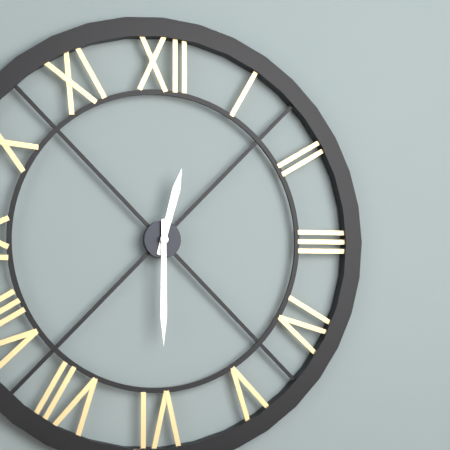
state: 12:30
